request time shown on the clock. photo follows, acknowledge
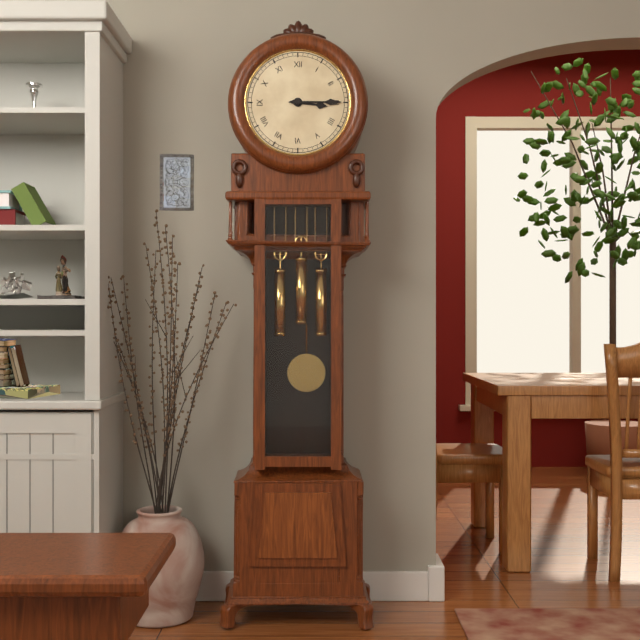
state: 3:15
